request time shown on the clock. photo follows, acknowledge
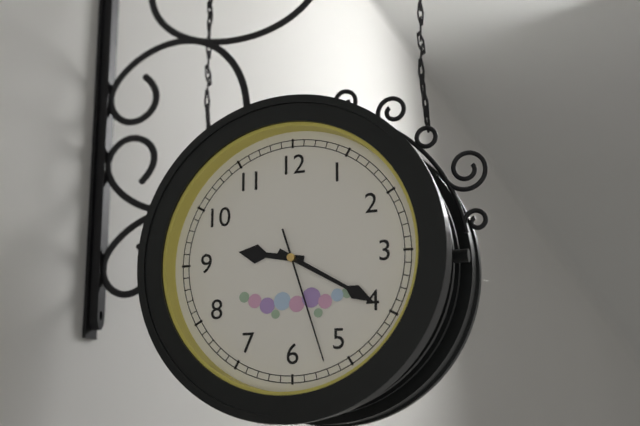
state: 9:20:27
